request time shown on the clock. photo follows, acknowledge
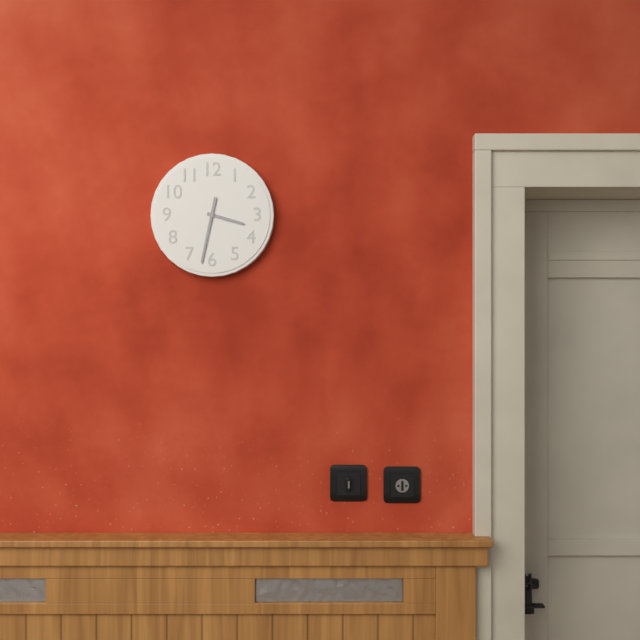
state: 3:32
